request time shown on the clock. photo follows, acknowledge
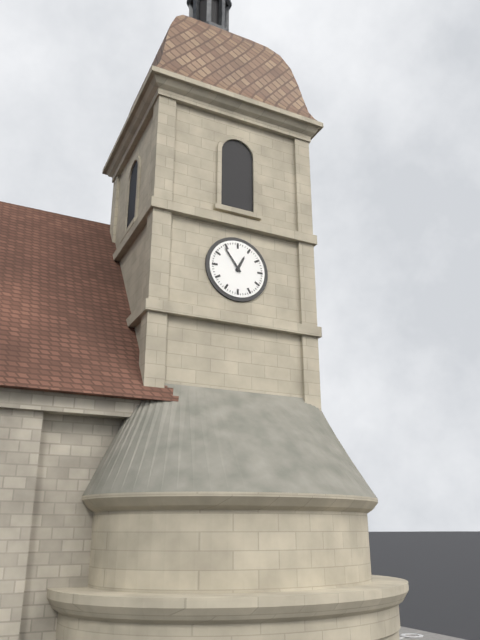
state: 12:54
